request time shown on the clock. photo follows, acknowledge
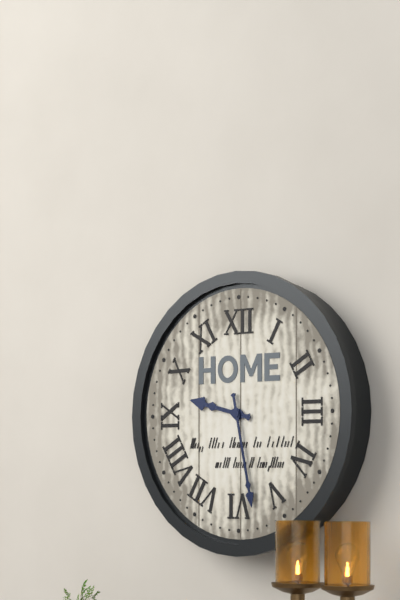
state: 9:28
